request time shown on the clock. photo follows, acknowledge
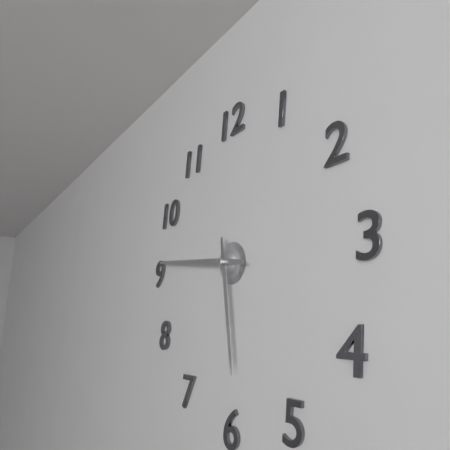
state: 5:46
